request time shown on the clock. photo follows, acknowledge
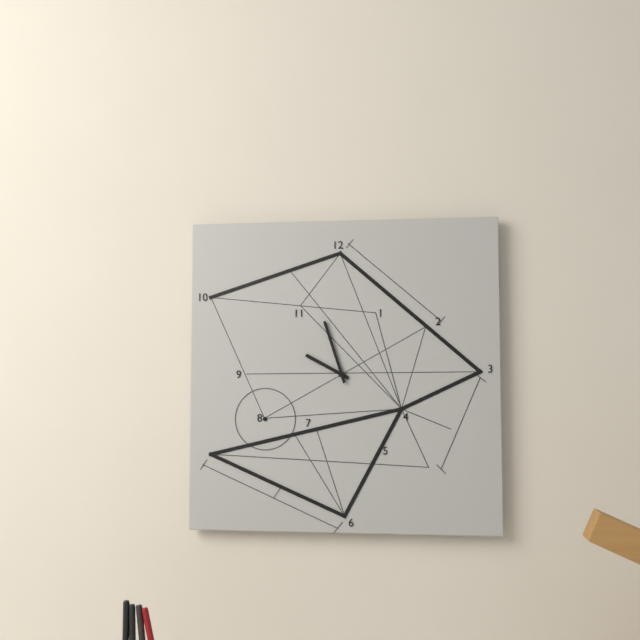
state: 9:57
